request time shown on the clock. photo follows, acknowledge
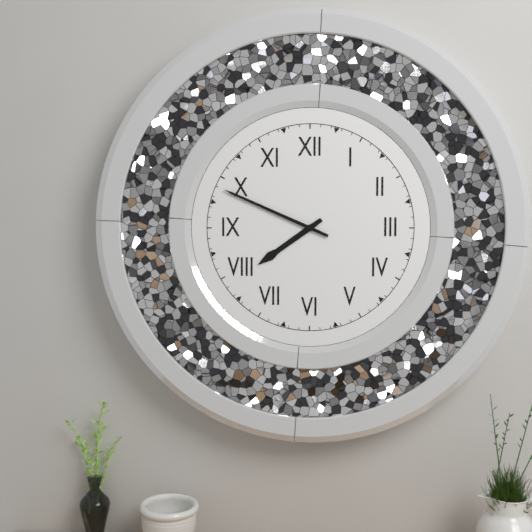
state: 7:49
